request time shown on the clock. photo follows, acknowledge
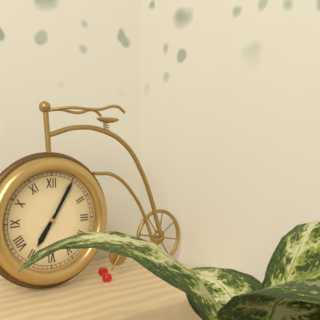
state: 7:05
